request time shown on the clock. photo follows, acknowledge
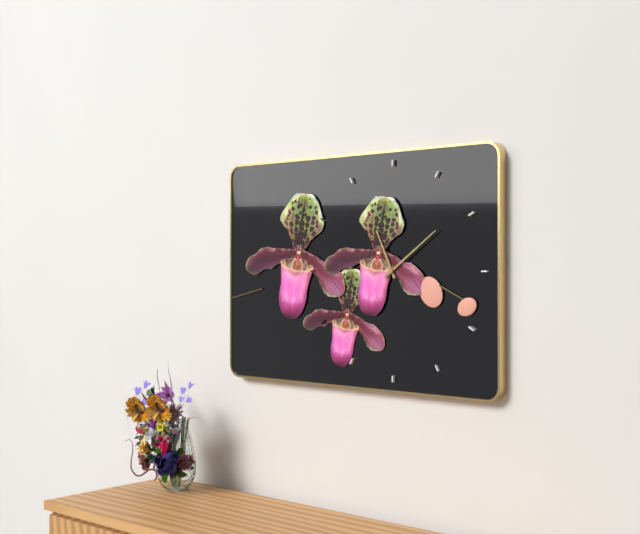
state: 11:09
